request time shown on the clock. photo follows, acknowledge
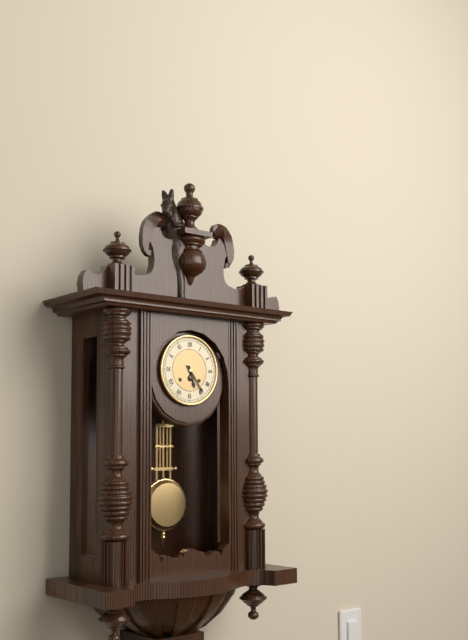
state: 5:24
